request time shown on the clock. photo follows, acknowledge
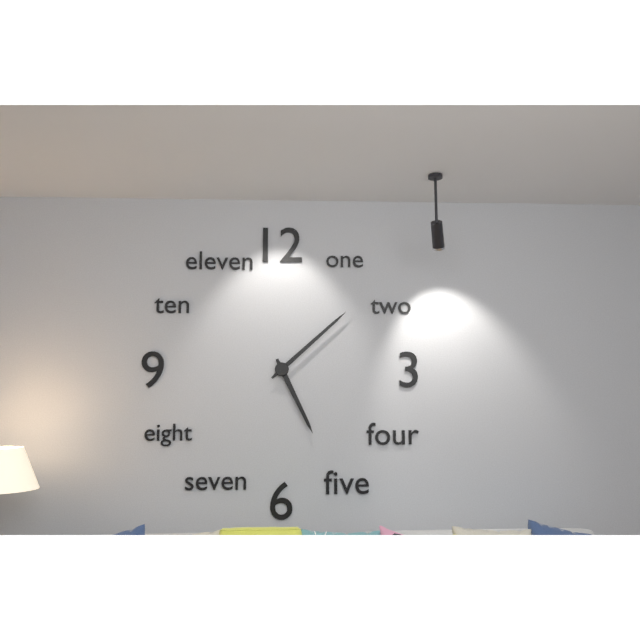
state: 5:08
